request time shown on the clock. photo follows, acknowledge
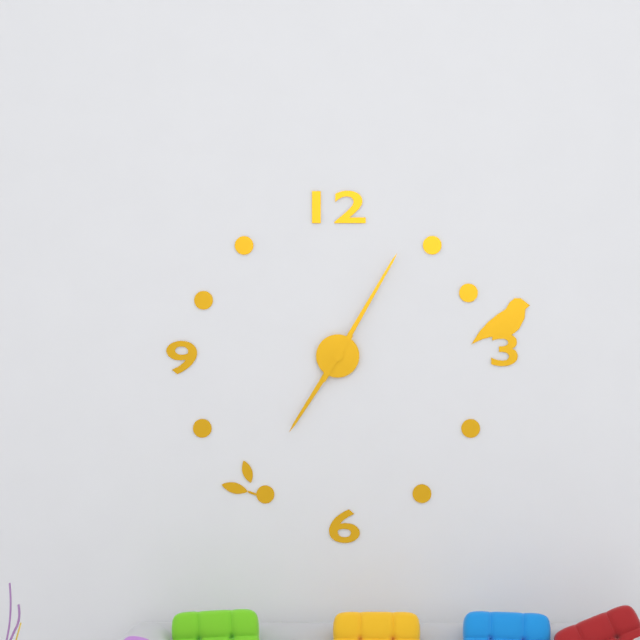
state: 7:05
